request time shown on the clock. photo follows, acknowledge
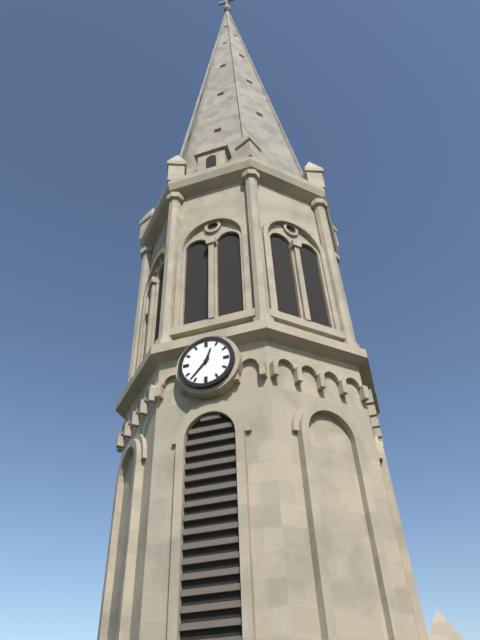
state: 12:37
